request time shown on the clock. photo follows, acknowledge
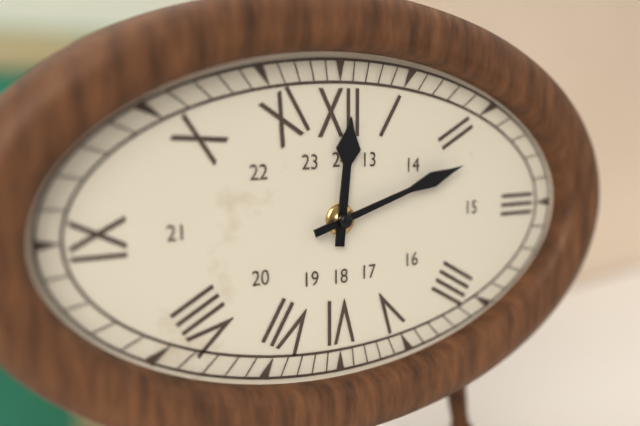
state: 12:12
